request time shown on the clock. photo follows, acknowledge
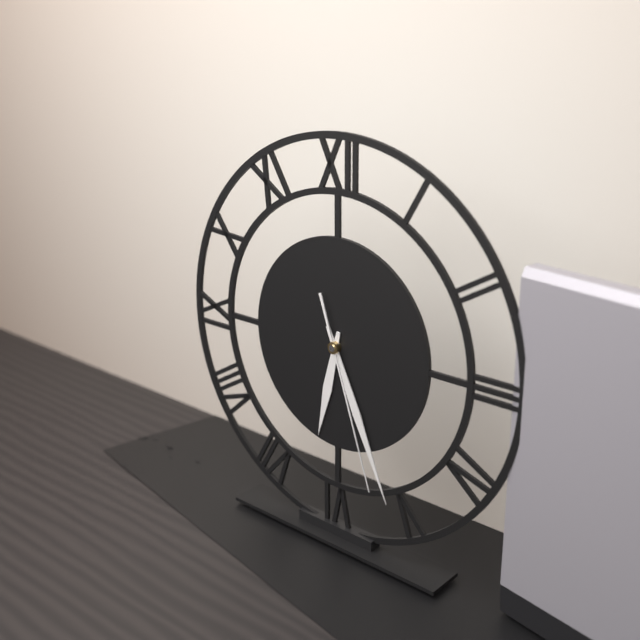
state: 6:26:27
